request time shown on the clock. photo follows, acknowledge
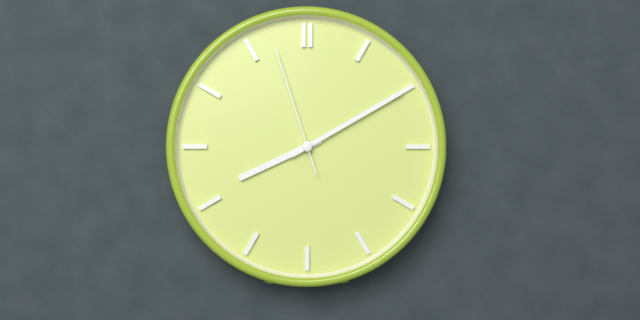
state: 8:10:57
